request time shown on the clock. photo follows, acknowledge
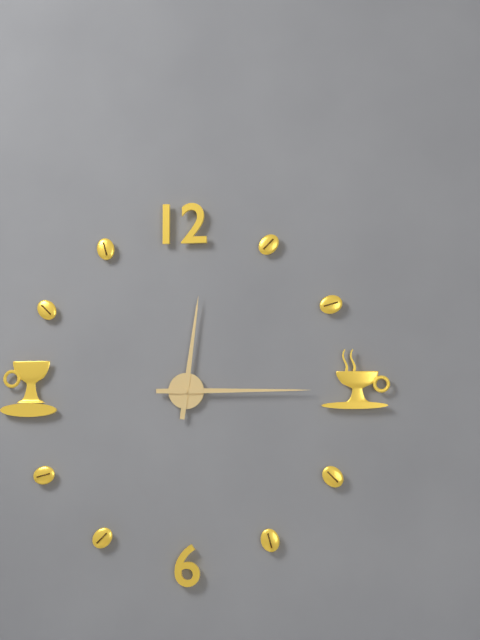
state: 12:15
